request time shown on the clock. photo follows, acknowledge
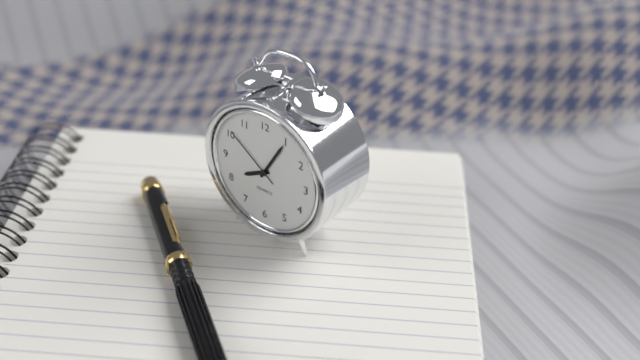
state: 8:05:51
